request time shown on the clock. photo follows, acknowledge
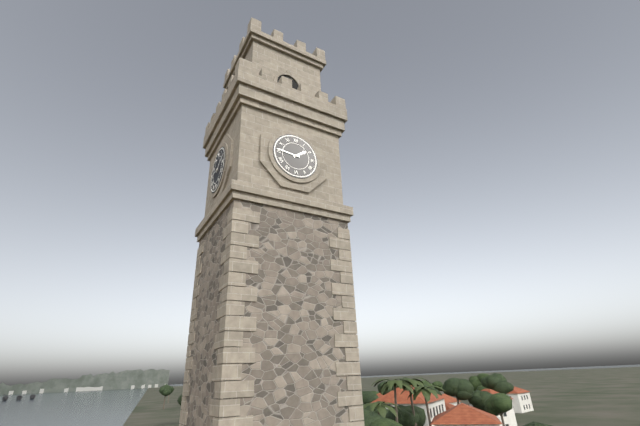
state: 1:46
